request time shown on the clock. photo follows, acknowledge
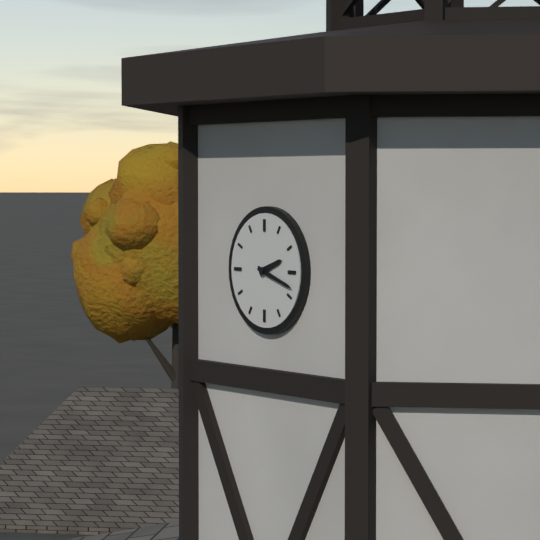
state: 2:18
